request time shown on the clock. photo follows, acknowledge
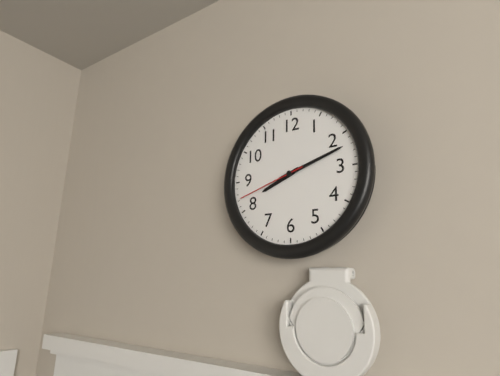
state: 8:12:42
